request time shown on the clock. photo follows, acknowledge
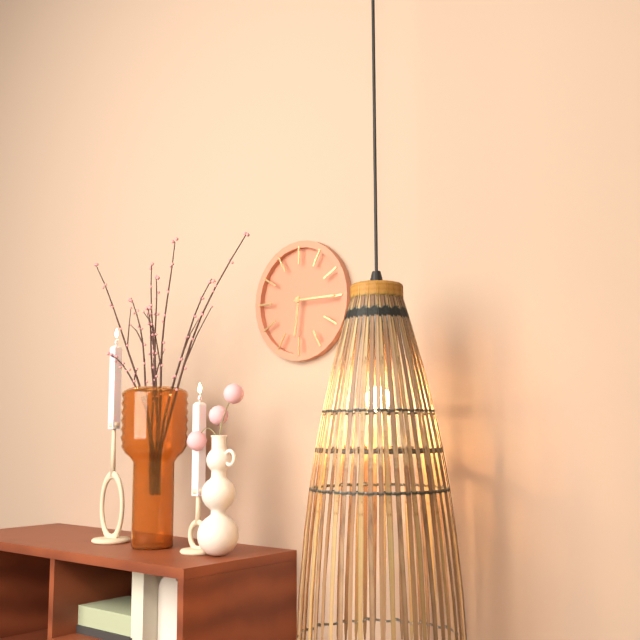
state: 6:15
